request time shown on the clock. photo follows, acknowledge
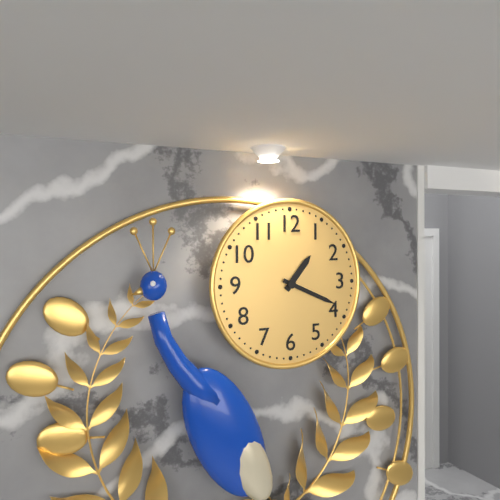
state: 1:19
